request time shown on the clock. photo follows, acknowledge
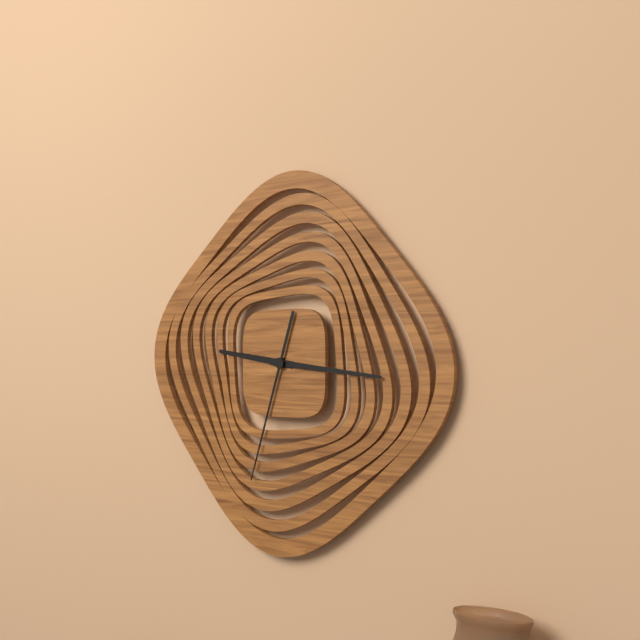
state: 9:16:33
